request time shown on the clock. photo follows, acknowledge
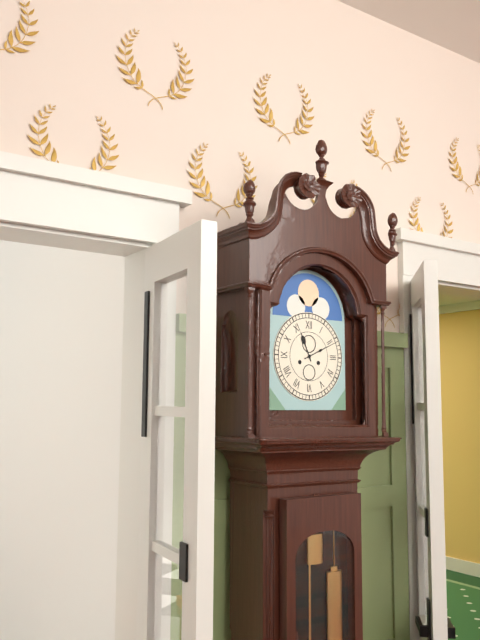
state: 11:11
